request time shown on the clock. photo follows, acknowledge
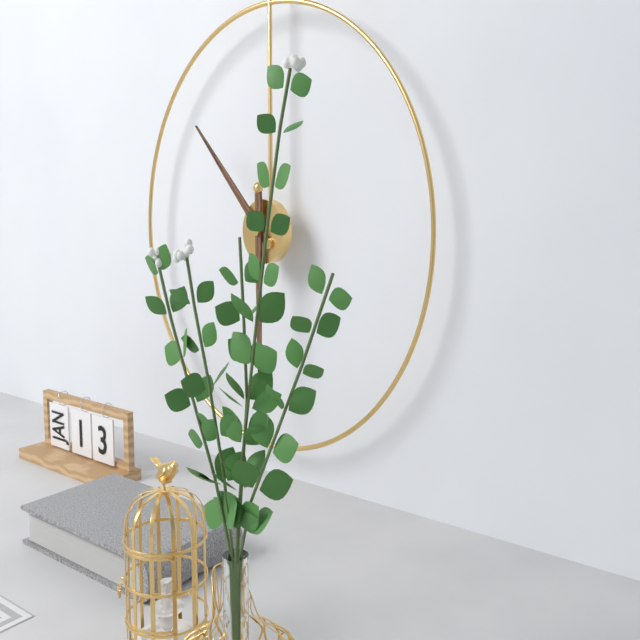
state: 10:30
